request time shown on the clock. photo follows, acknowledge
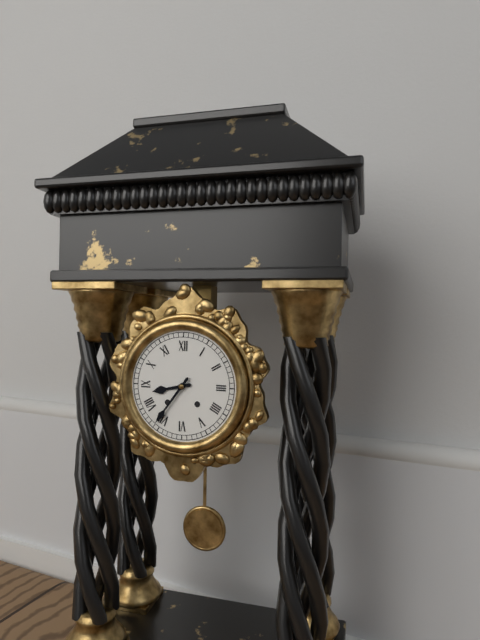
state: 8:36
